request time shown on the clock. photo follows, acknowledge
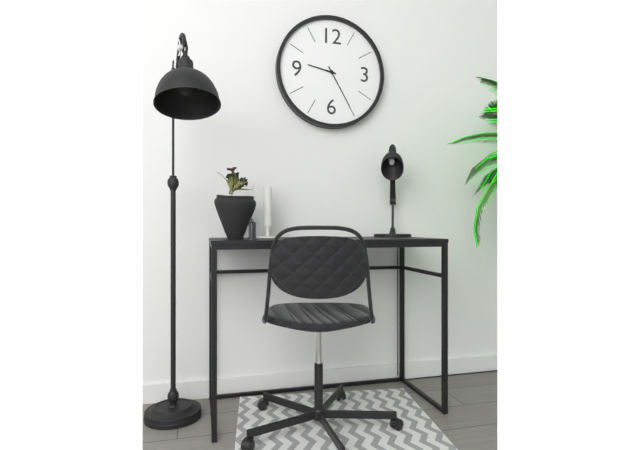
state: 9:25
